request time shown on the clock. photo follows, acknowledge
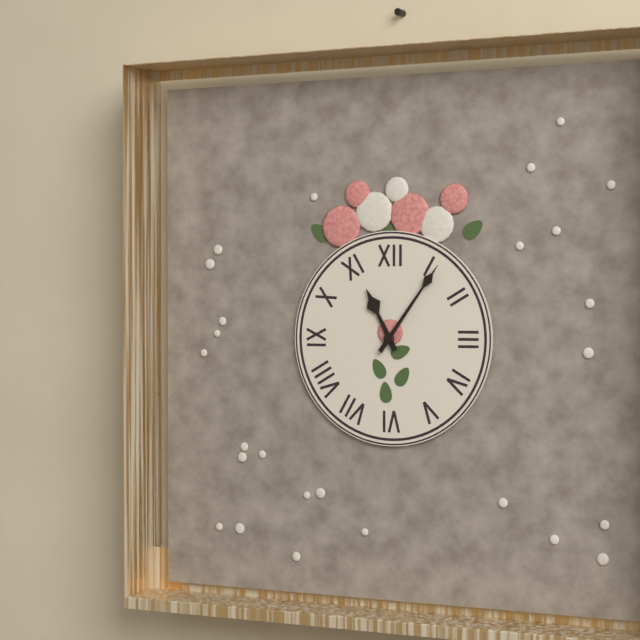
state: 11:06
